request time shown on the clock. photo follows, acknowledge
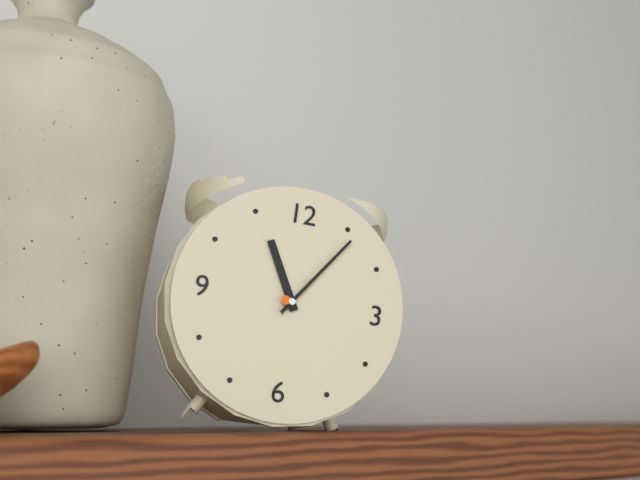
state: 11:06
